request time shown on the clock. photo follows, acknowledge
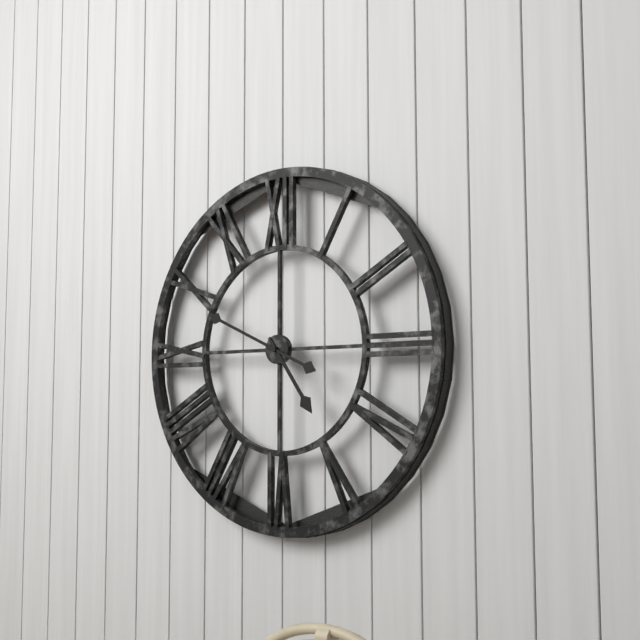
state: 4:49
